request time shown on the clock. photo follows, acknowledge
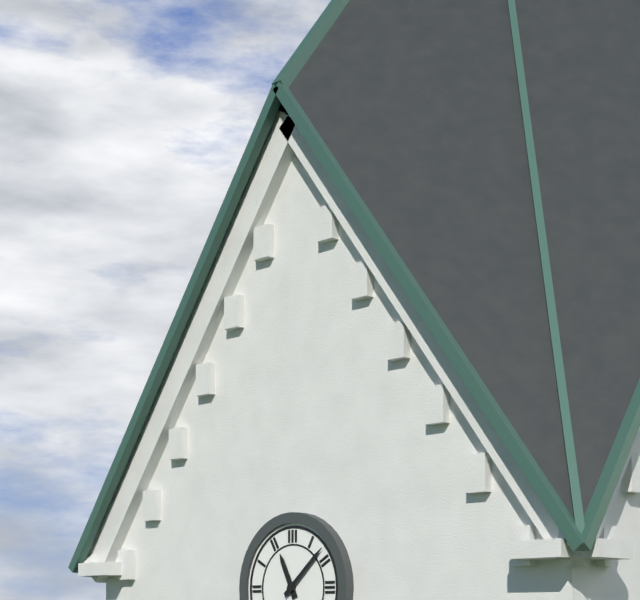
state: 11:08
